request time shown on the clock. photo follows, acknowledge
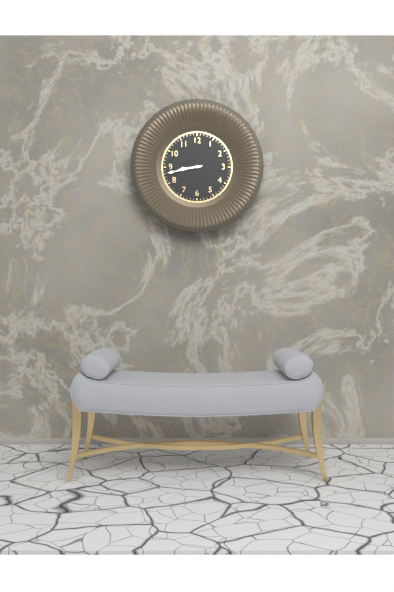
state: 8:43
